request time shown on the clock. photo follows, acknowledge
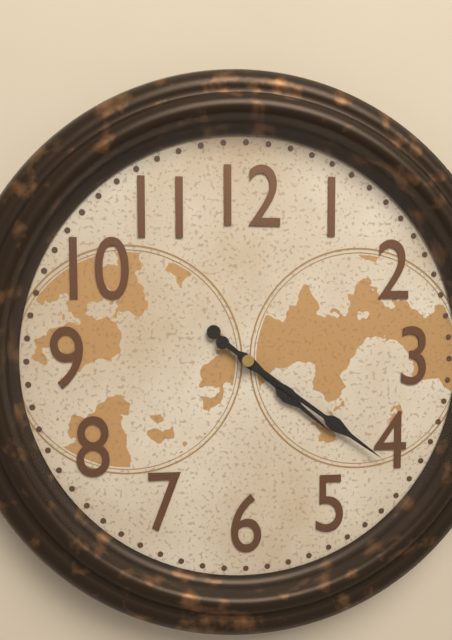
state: 4:21
